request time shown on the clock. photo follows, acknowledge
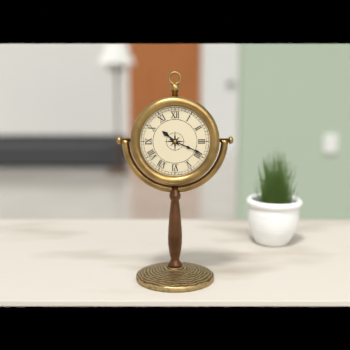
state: 10:19
